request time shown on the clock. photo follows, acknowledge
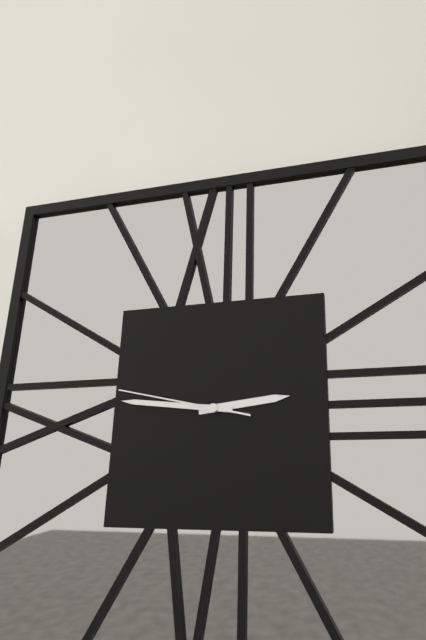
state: 2:46:47
